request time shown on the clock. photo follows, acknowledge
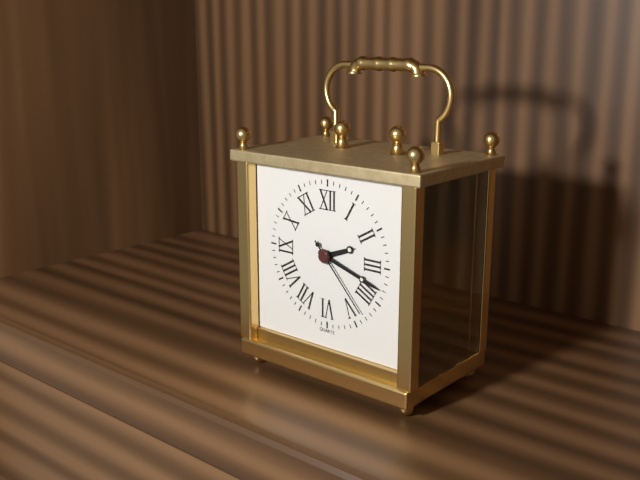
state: 2:18:23
